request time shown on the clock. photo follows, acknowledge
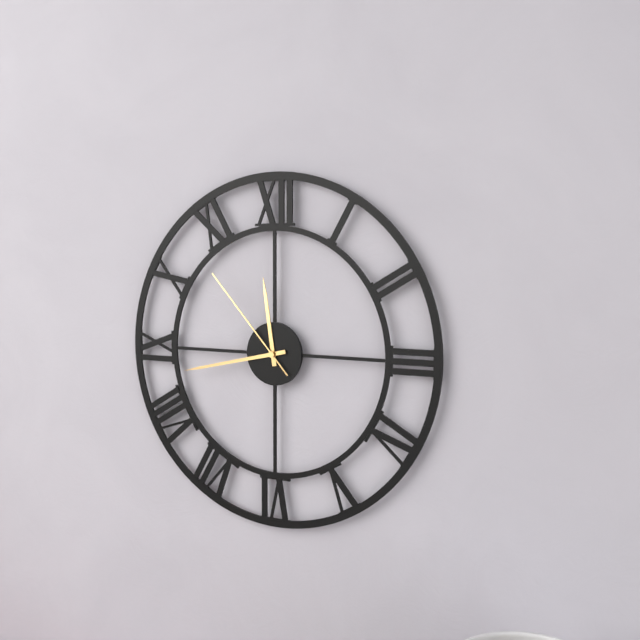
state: 11:43:53
